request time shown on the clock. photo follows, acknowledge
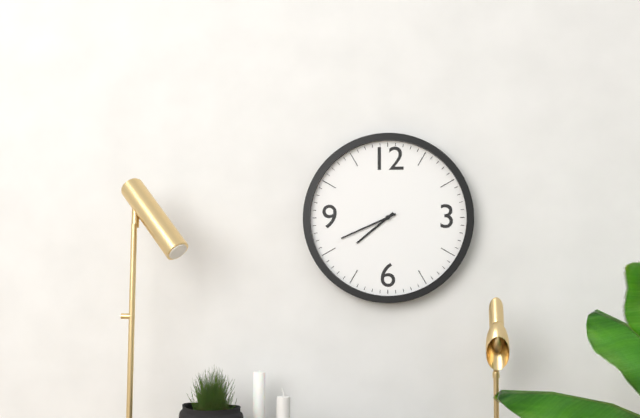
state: 7:41
